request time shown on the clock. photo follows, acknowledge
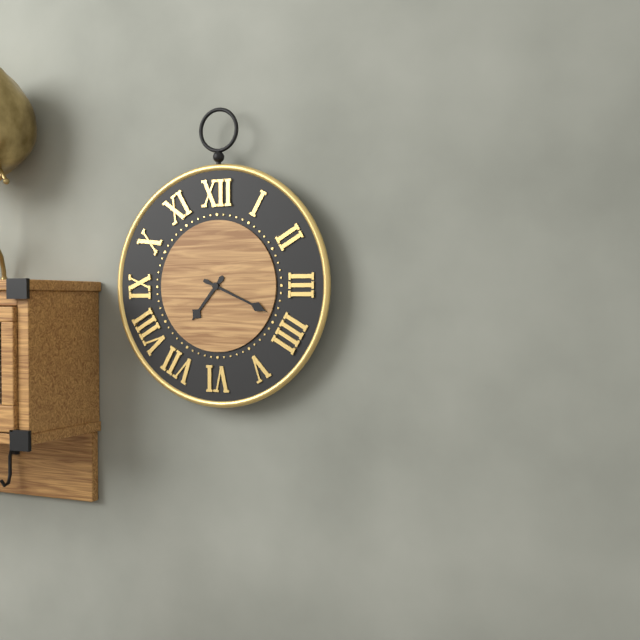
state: 7:19
